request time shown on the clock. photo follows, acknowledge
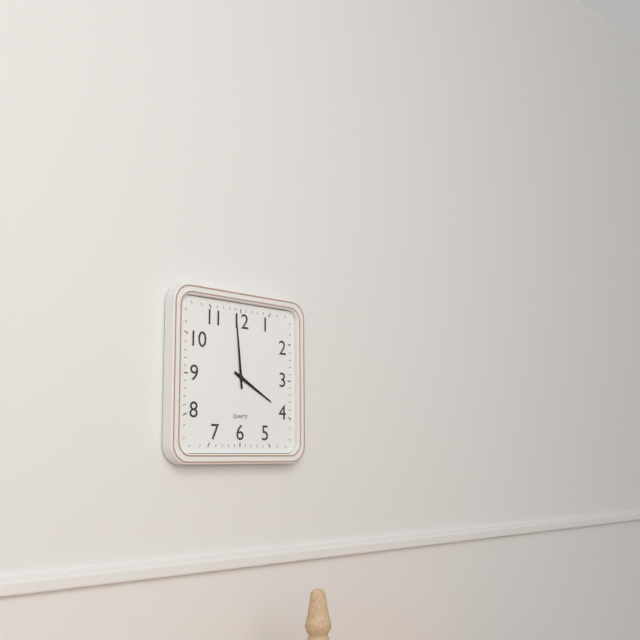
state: 3:59
